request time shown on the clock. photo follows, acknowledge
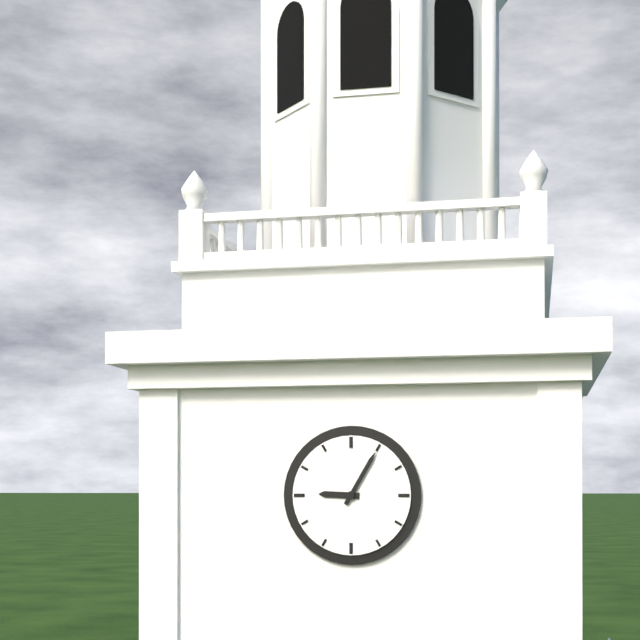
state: 9:05
